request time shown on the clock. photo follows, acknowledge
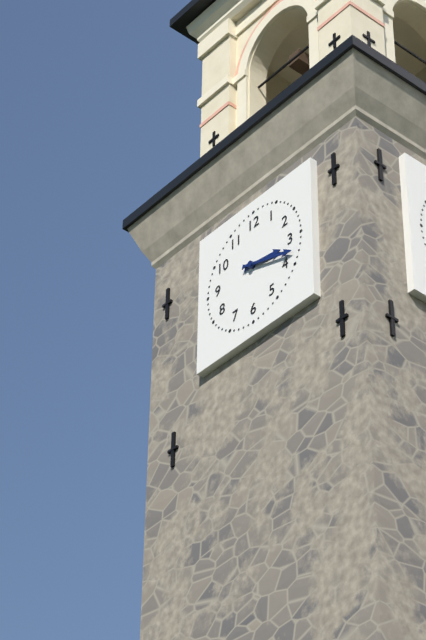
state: 3:18
